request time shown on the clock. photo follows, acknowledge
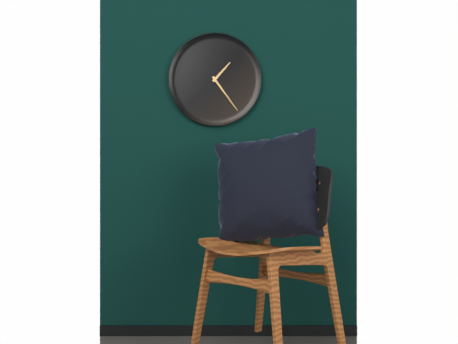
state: 1:24
